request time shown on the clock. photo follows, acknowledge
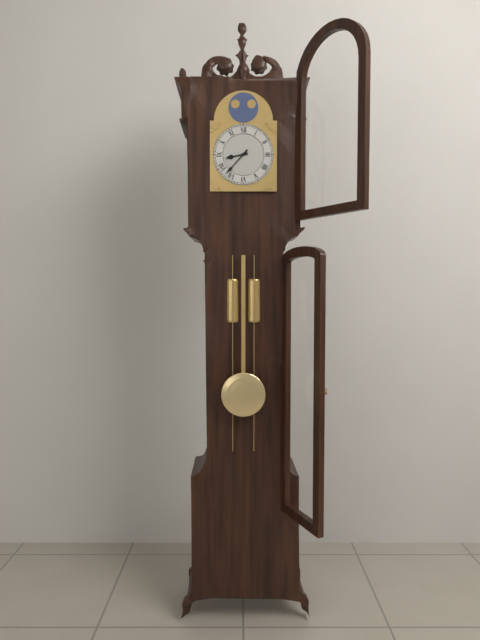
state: 8:37
